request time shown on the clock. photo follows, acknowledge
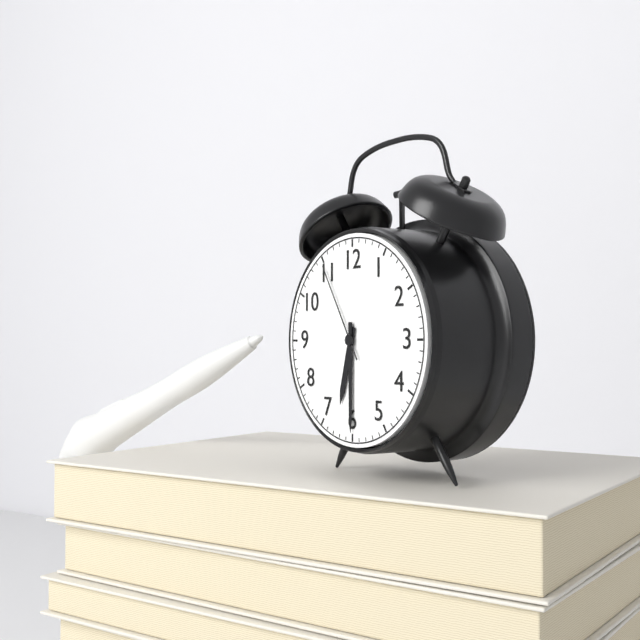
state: 6:30:55
